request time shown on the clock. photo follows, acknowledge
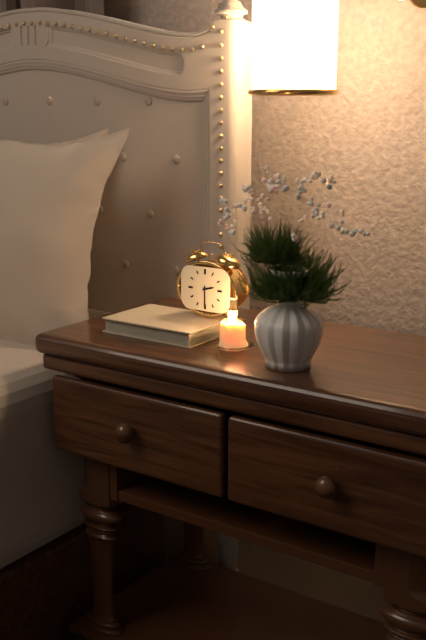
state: 2:30
